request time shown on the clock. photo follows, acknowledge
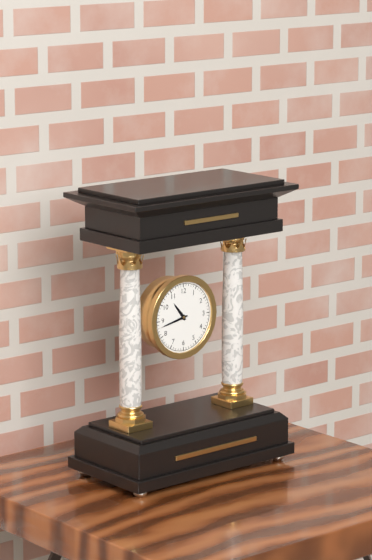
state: 10:43
